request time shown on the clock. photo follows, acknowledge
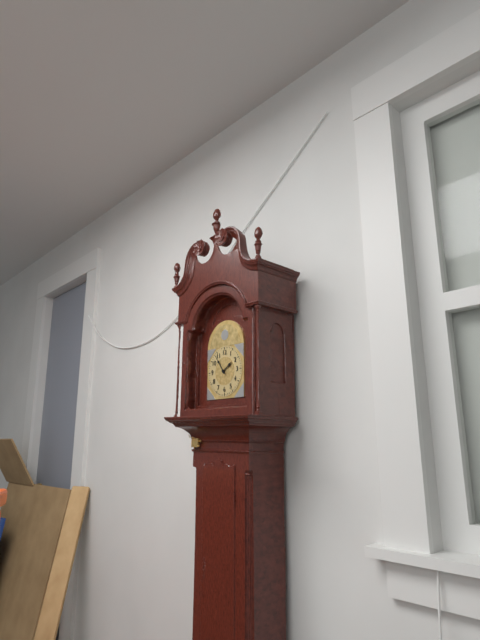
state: 1:54
